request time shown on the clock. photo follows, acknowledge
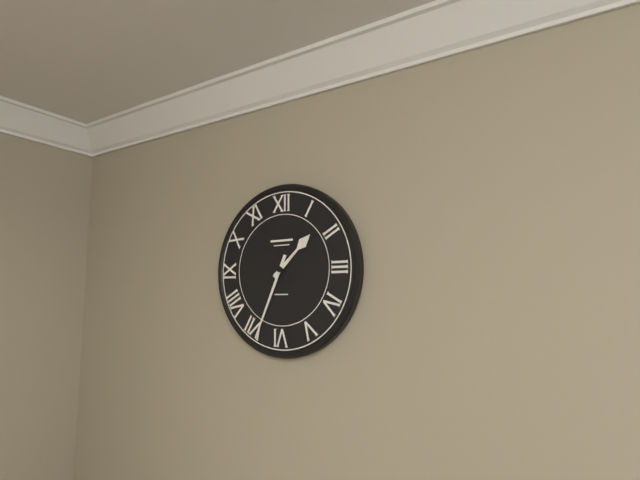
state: 1:34
